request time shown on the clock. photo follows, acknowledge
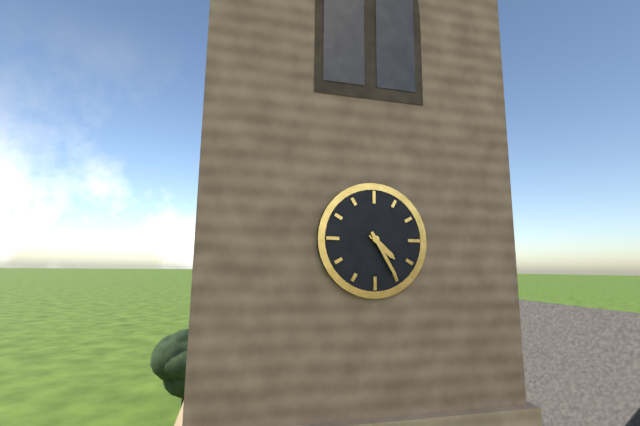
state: 4:25
